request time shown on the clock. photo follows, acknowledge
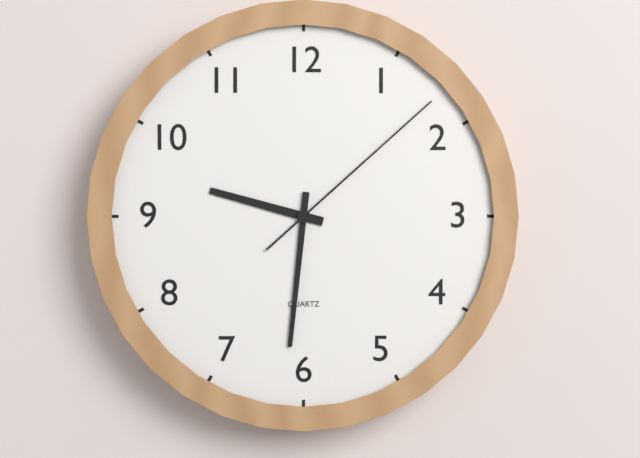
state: 9:31:08
